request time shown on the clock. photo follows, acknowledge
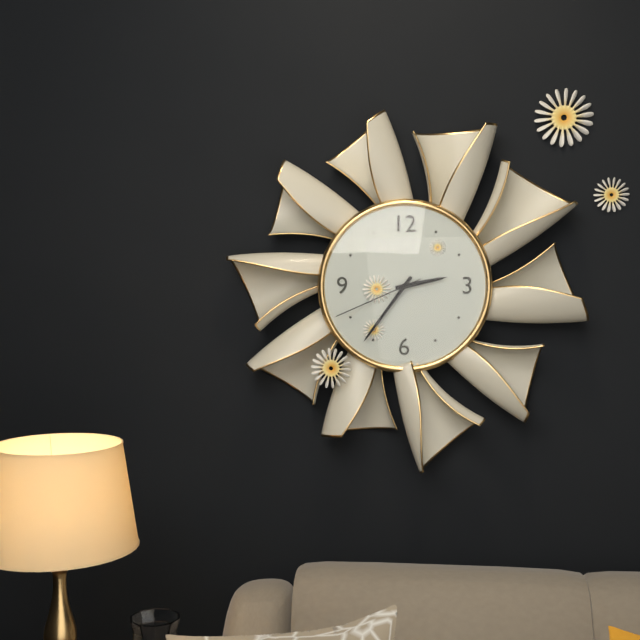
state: 2:36:41
